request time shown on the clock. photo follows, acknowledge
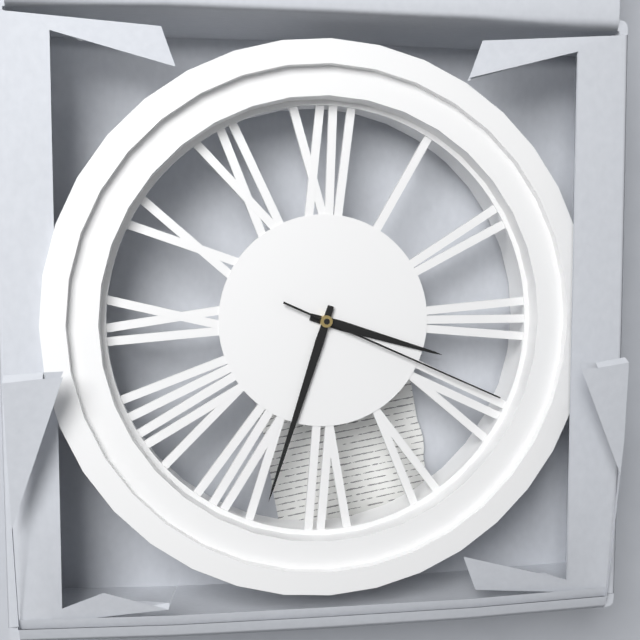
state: 3:33:19
